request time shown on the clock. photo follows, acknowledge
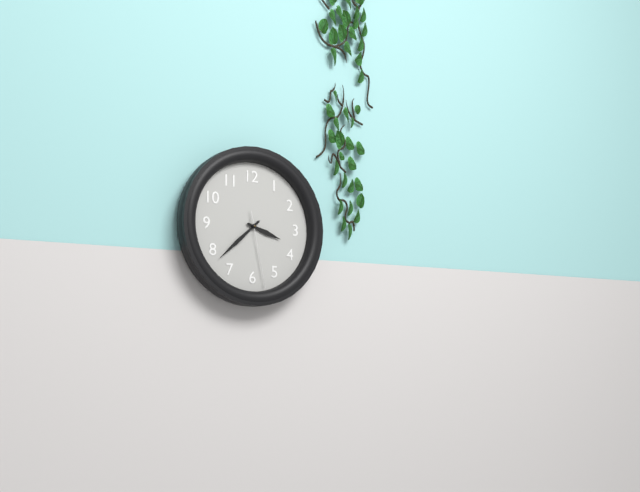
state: 3:38:28
